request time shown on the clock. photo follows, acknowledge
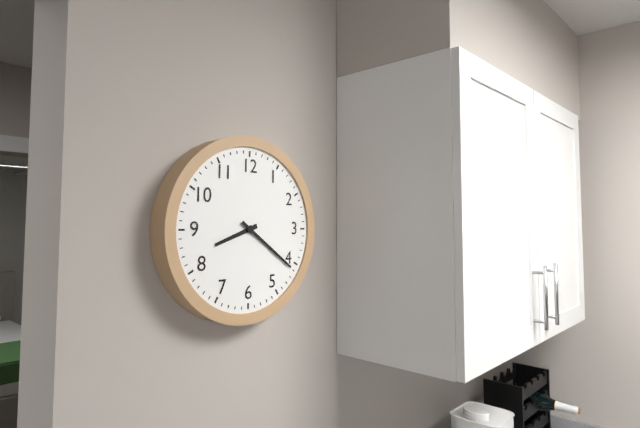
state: 8:21
